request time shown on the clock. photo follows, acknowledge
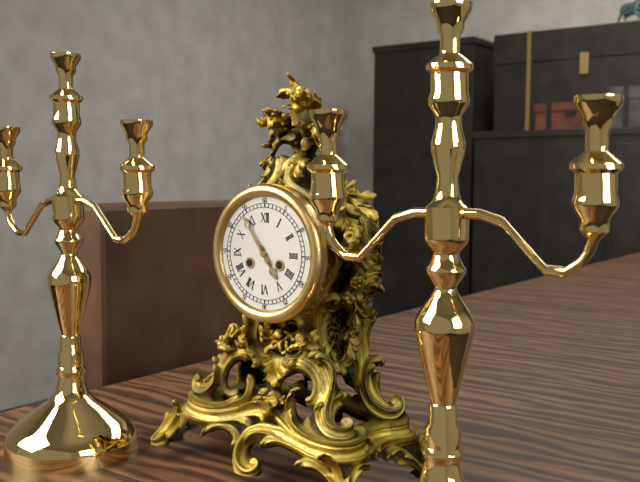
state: 4:54
